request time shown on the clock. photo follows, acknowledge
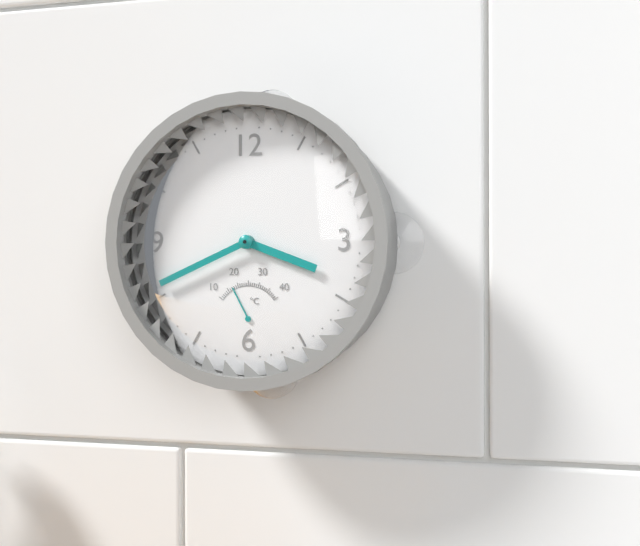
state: 3:41
